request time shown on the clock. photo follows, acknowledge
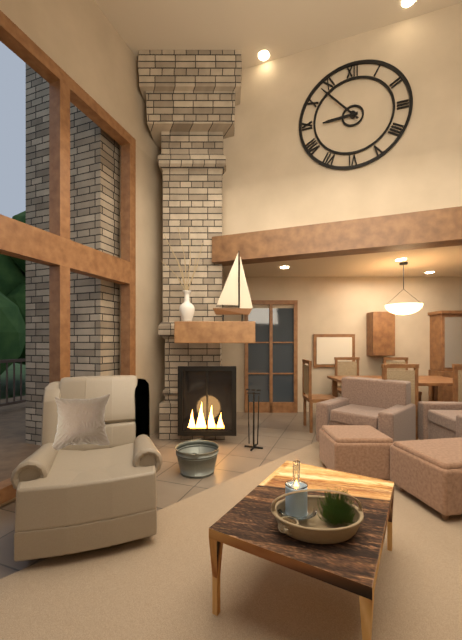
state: 8:53
